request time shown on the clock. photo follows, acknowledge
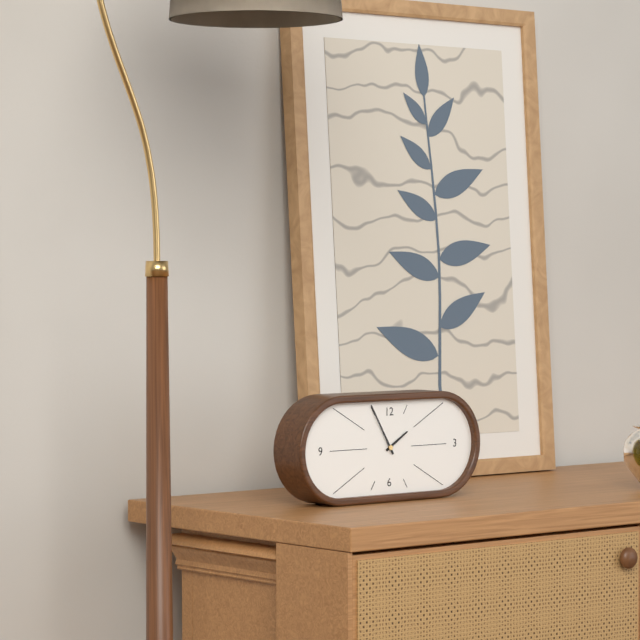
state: 1:55
